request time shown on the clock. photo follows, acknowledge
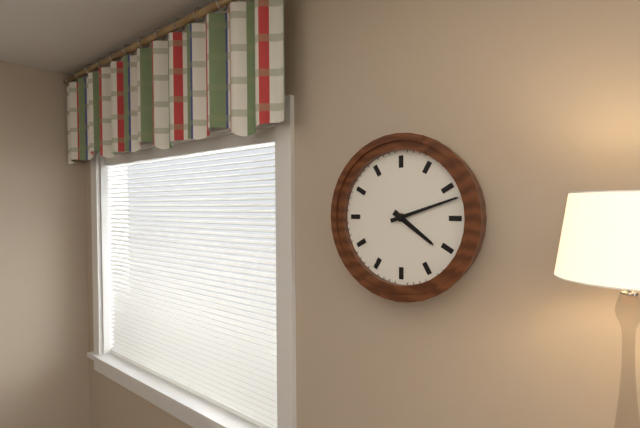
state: 4:12
